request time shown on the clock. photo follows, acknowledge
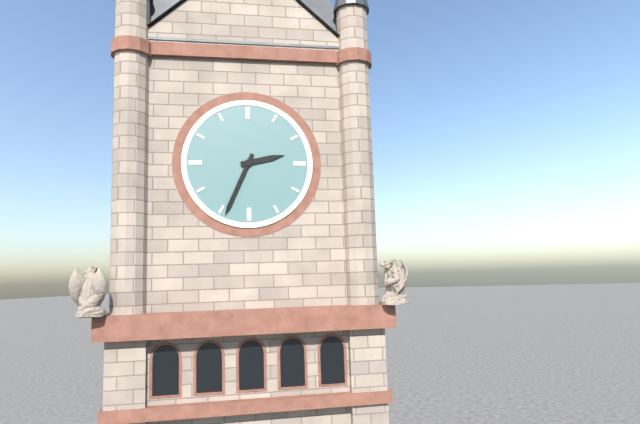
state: 2:34
